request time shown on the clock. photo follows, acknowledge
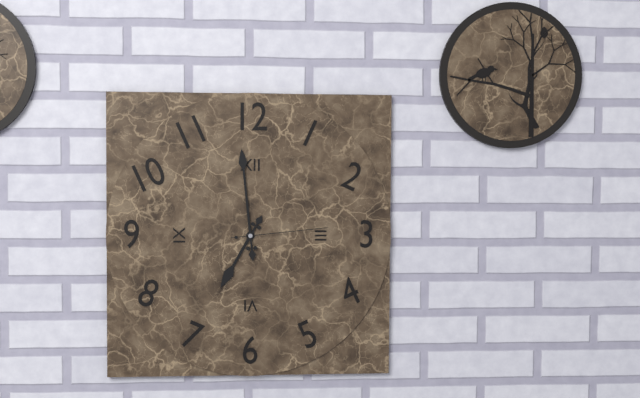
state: 6:59:14
